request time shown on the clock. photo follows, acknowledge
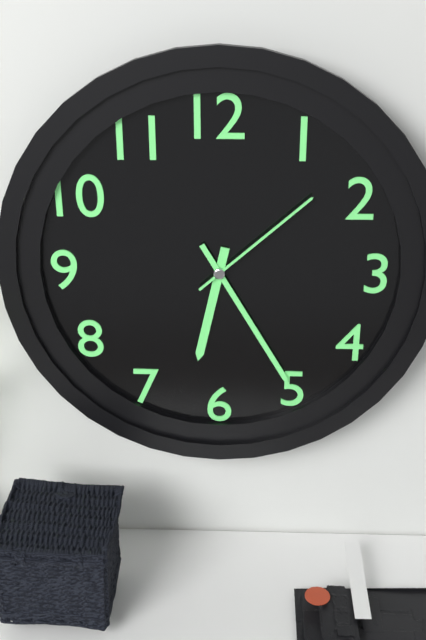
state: 6:25:08
